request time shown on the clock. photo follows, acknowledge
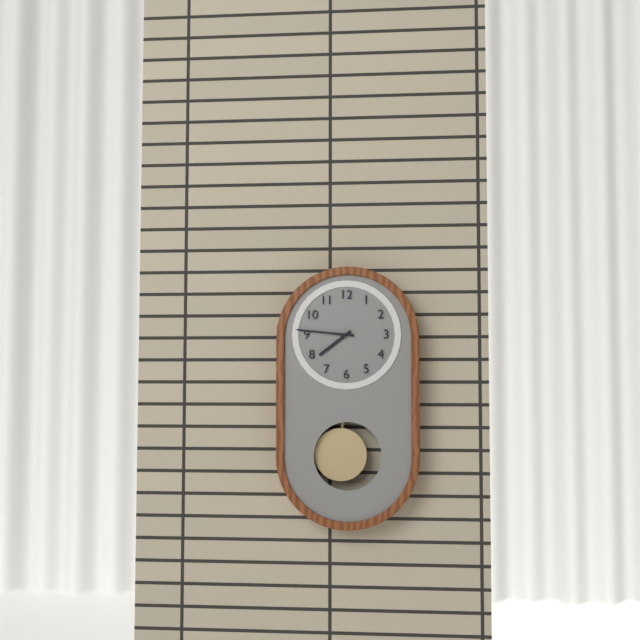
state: 7:46
